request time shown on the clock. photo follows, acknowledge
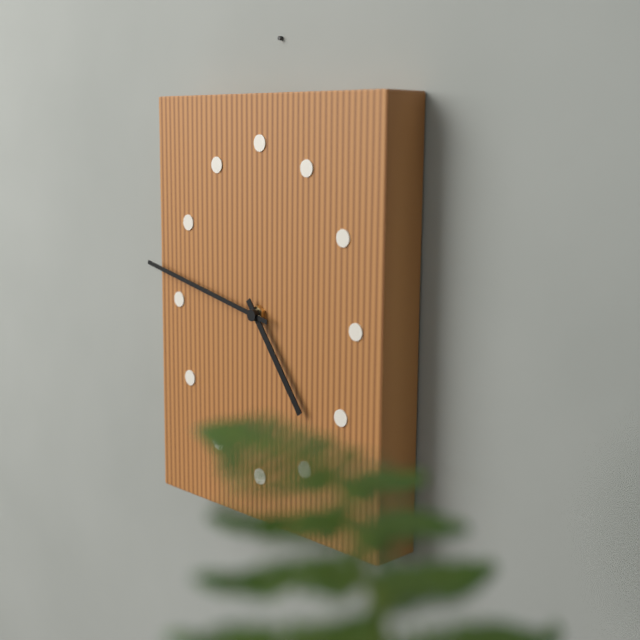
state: 4:47
